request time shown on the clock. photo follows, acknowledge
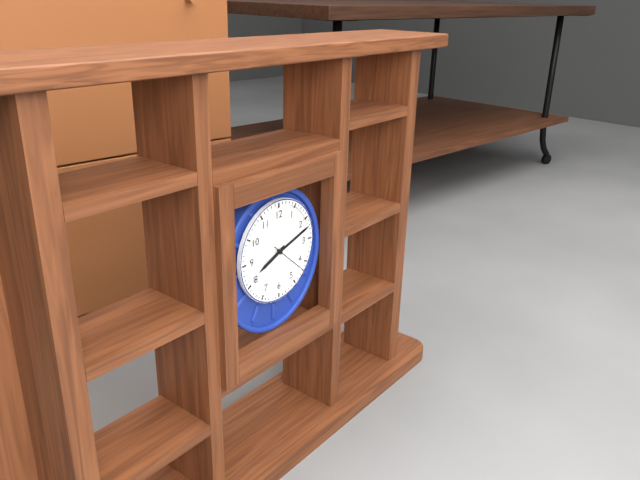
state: 8:12
